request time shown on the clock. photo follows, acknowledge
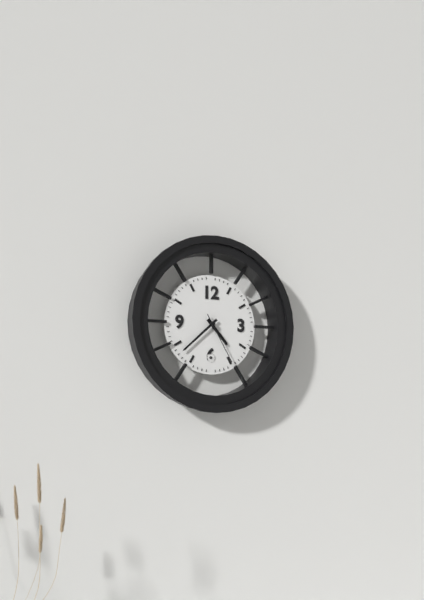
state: 4:38:25
